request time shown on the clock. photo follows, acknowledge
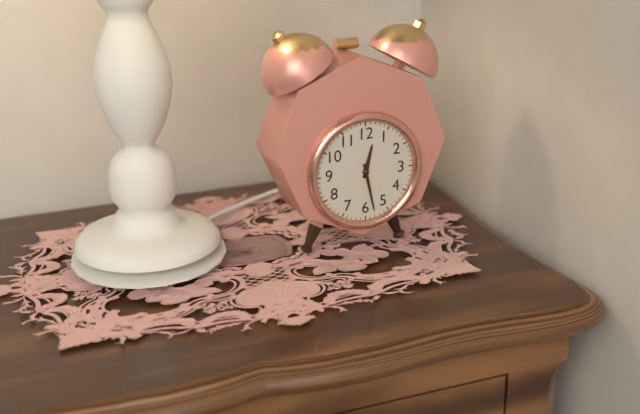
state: 12:28
